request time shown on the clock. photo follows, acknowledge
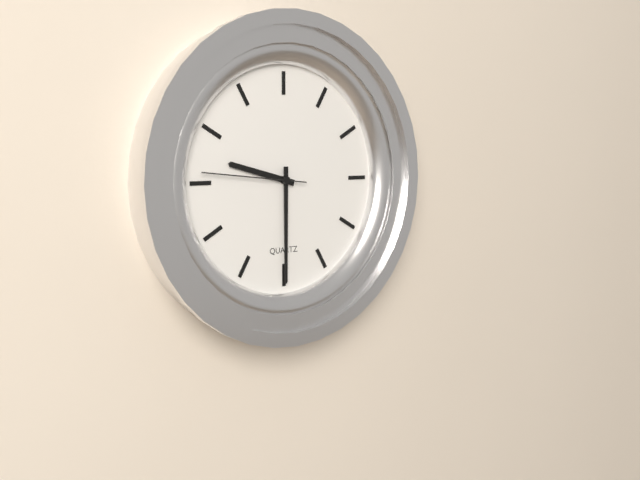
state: 9:30:46
